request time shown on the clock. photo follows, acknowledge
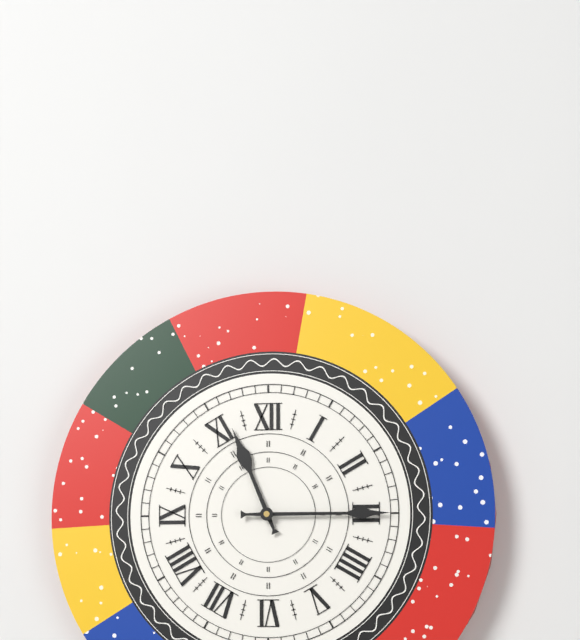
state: 11:15
